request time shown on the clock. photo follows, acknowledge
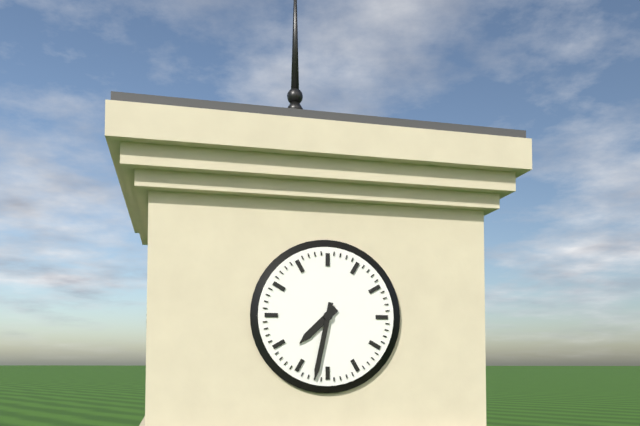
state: 7:32
